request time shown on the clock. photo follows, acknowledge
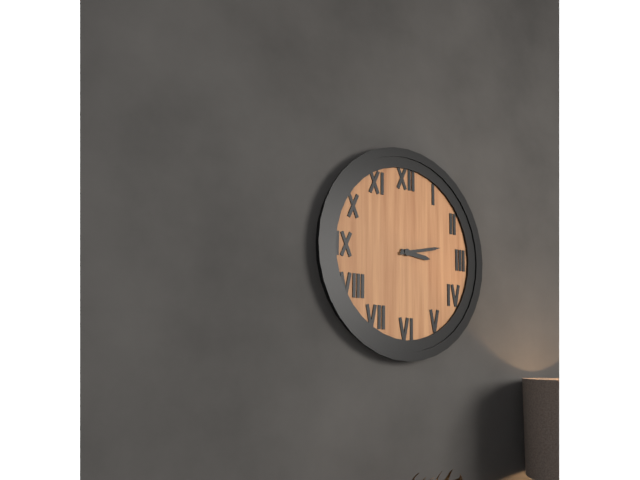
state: 3:13
